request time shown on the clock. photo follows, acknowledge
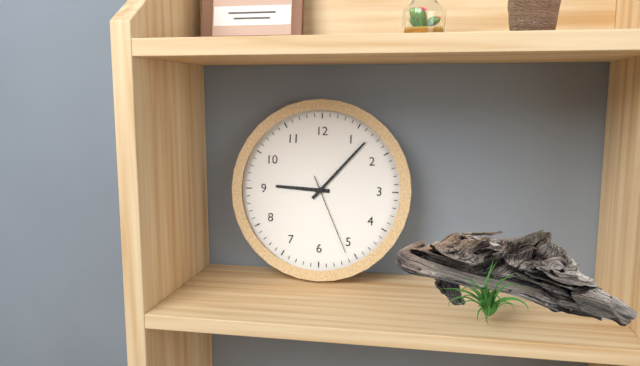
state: 9:07:26
